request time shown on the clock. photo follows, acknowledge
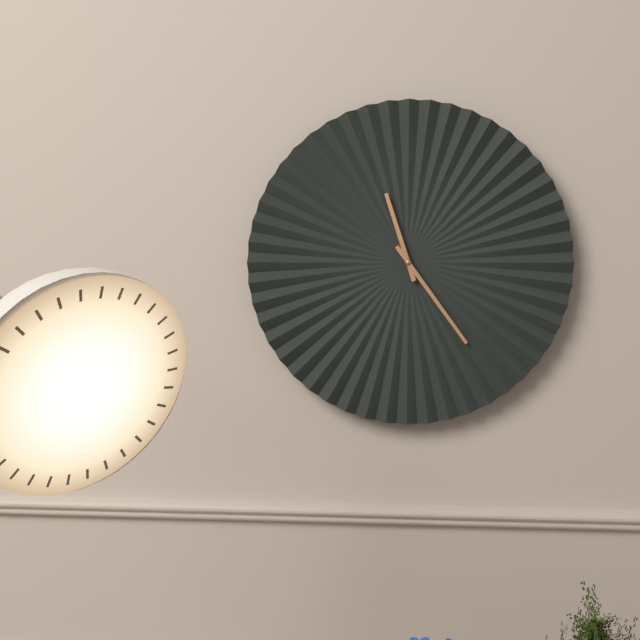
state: 11:24
